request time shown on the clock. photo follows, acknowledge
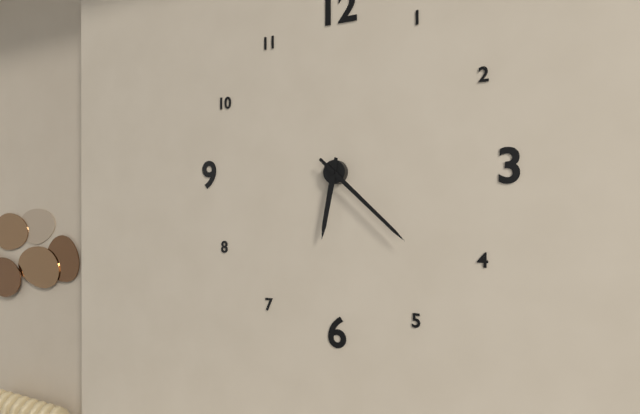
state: 6:22
